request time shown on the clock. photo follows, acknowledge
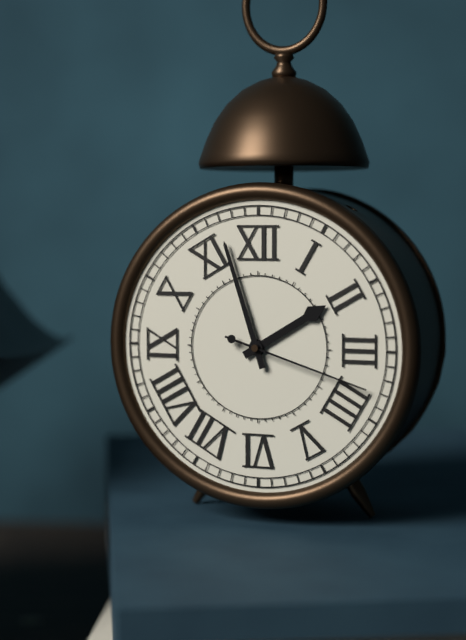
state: 1:57:18
